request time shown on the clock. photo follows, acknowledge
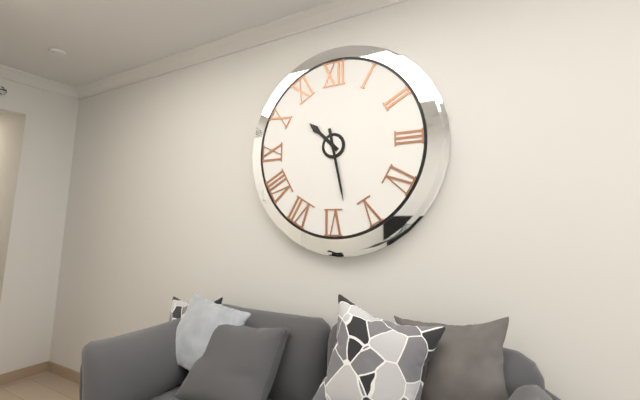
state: 10:28
